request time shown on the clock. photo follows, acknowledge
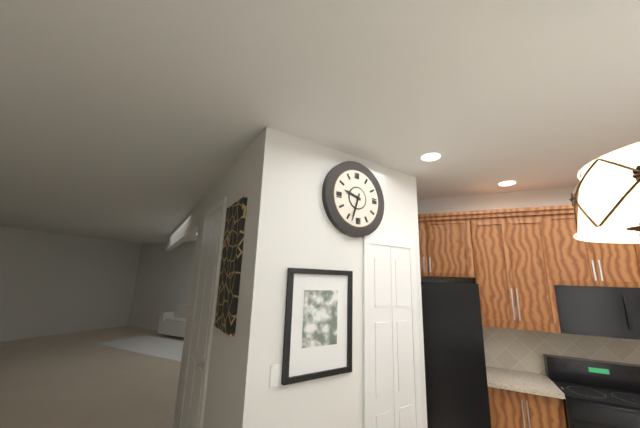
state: 9:33
